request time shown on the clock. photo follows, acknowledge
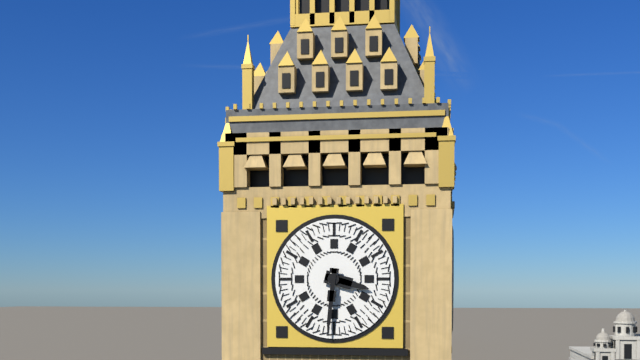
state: 3:31
